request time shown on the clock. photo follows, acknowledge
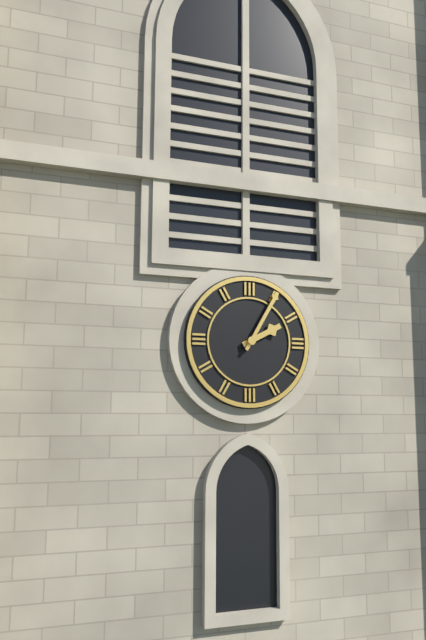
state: 2:05
